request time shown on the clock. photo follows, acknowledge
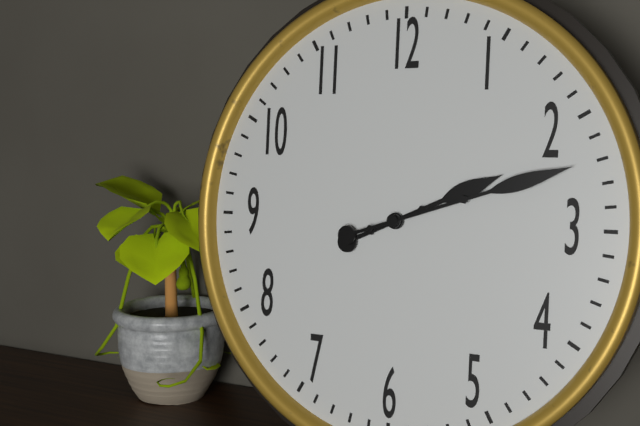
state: 2:12
